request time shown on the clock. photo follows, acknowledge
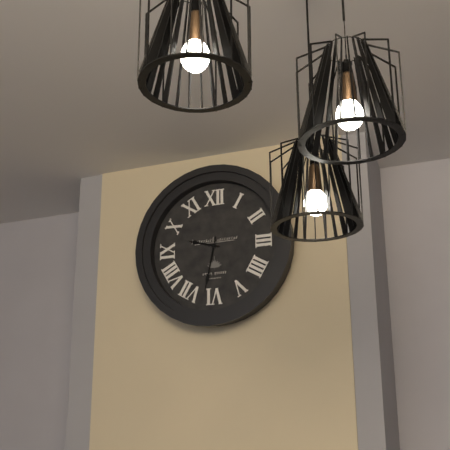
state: 9:32
